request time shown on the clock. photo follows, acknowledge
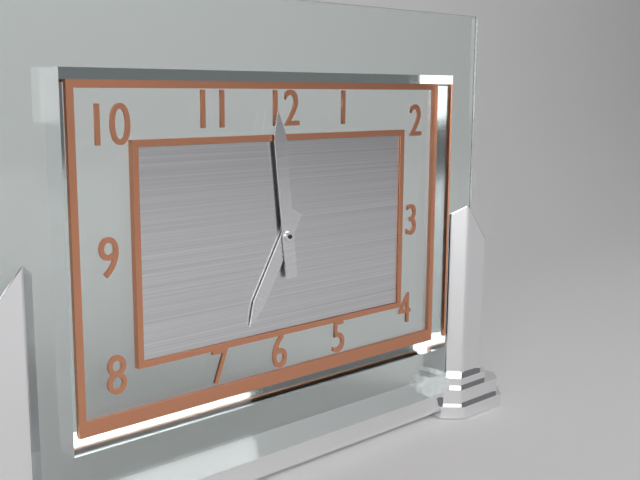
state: 6:59
